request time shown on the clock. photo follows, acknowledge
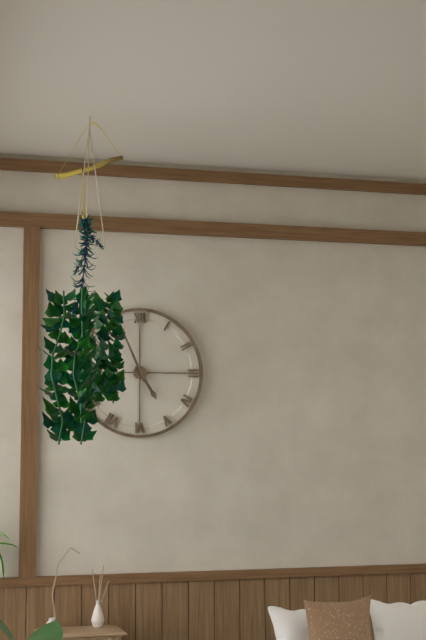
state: 4:56
